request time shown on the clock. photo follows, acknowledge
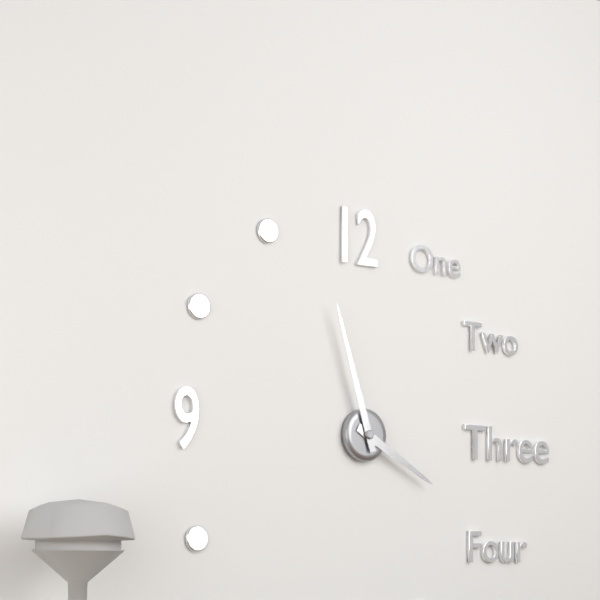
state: 3:57
